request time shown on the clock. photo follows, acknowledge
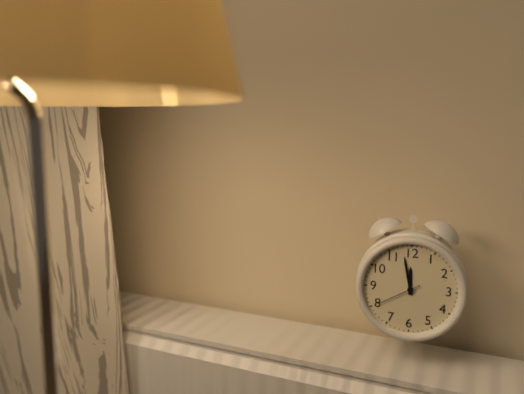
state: 11:58
